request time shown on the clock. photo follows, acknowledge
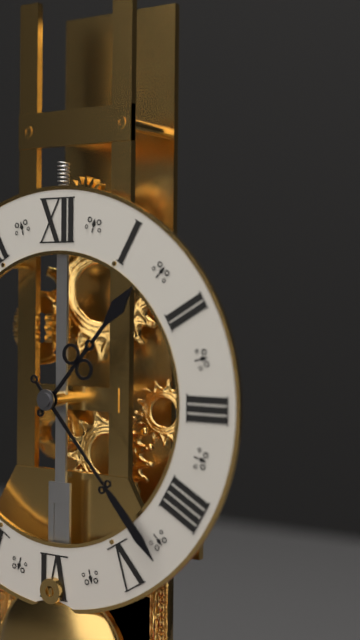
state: 1:23
